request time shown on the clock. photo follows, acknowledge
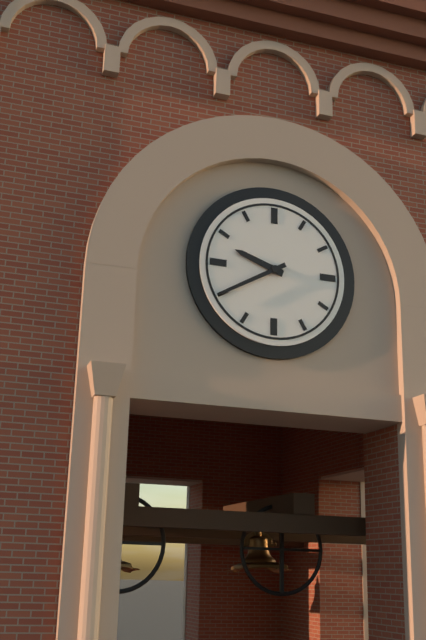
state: 9:40
